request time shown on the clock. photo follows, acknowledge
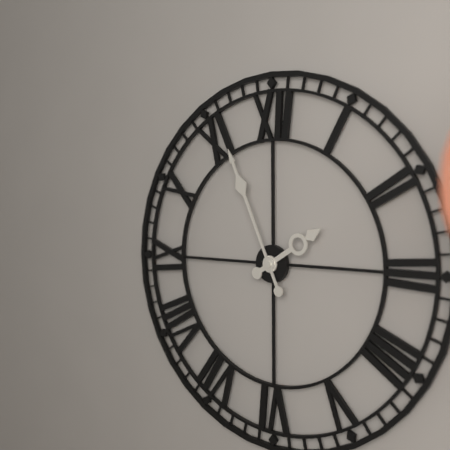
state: 1:56
